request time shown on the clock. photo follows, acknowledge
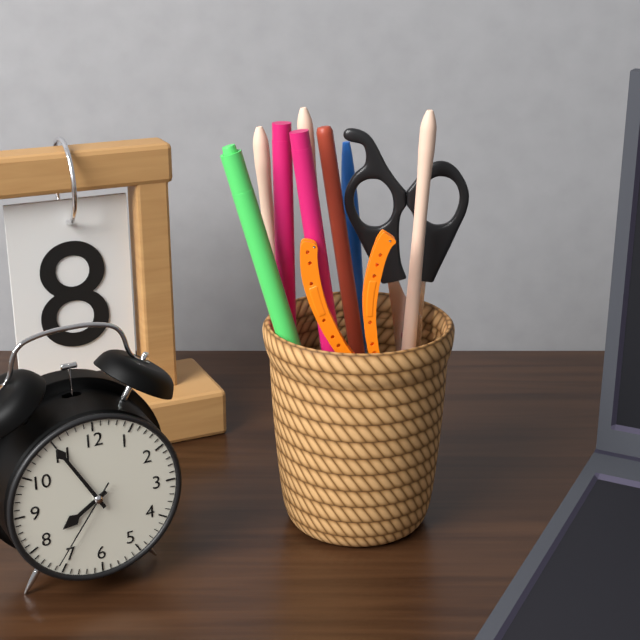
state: 7:55:36
